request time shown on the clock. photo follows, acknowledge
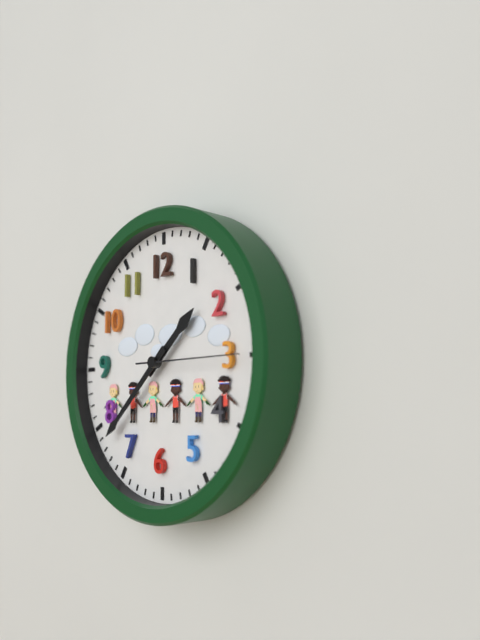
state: 1:38:15
